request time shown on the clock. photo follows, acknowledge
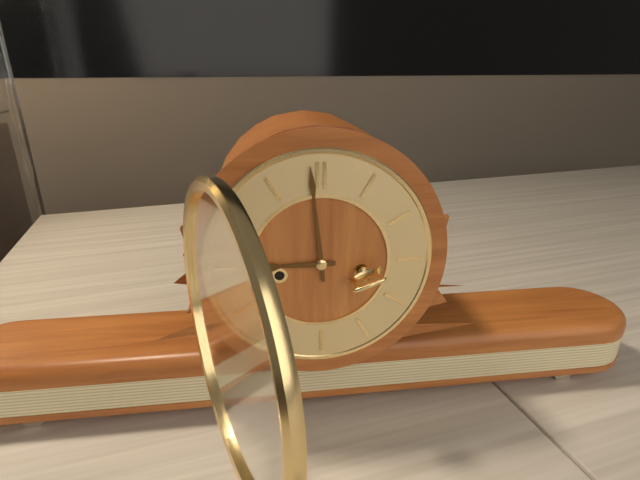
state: 8:59
